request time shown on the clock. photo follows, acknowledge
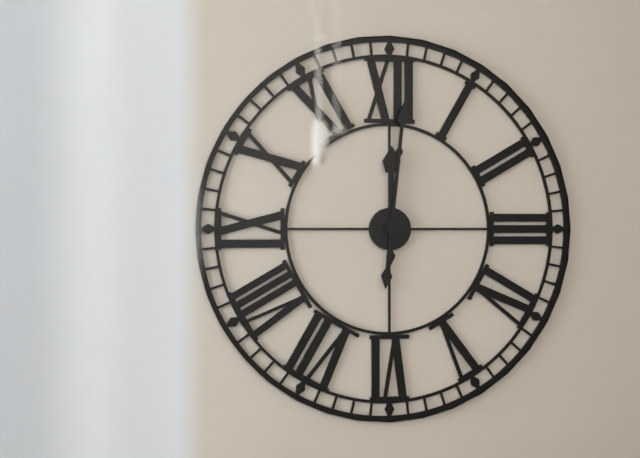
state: 12:01
